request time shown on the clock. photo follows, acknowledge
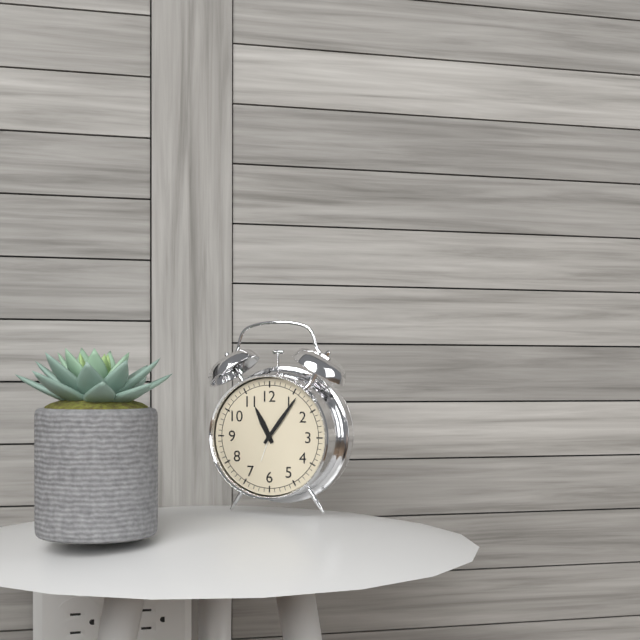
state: 11:06
